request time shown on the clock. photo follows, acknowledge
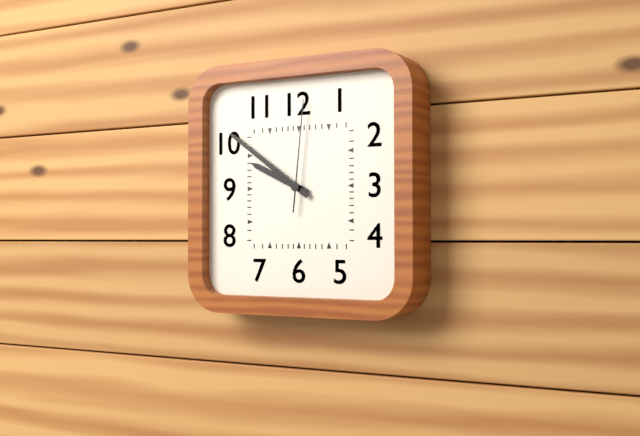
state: 9:51:01
